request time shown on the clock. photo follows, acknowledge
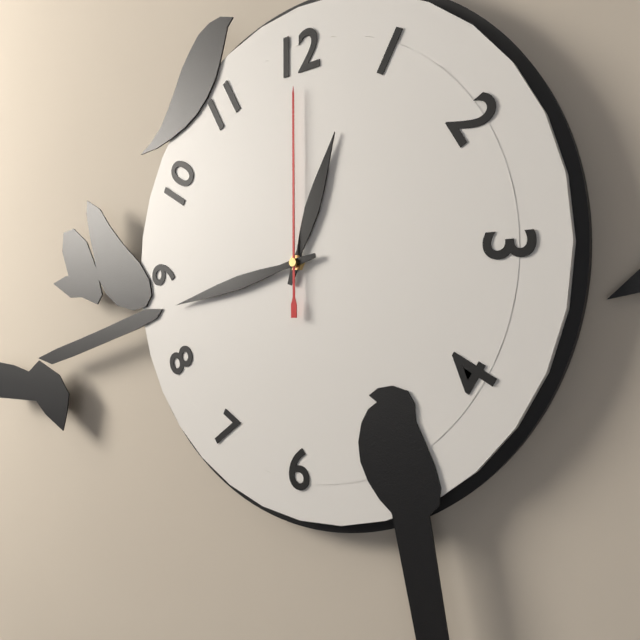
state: 12:43:00
